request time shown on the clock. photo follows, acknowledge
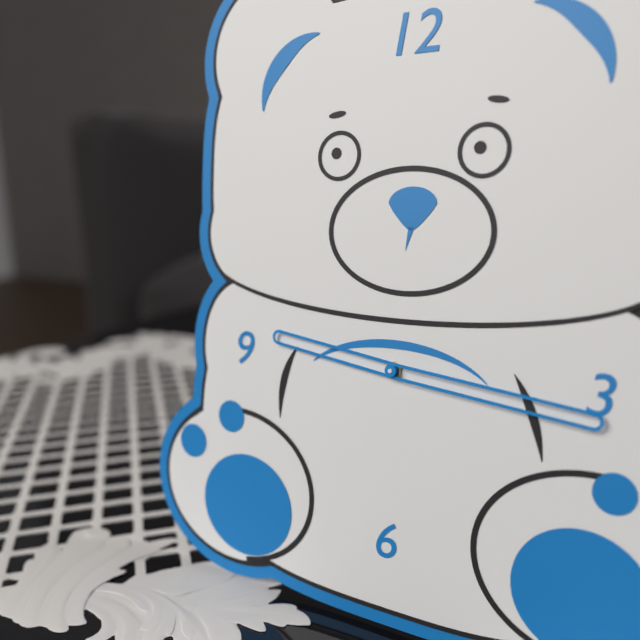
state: 9:16
